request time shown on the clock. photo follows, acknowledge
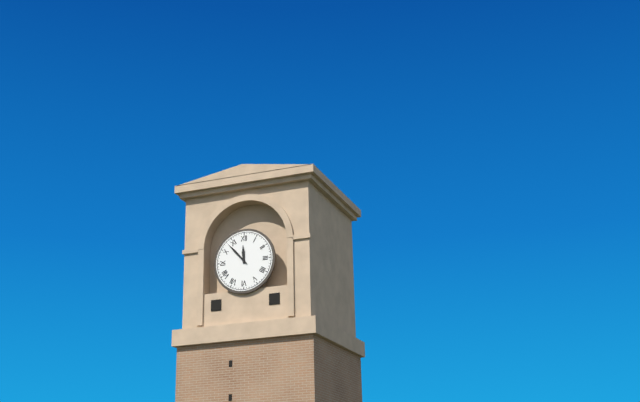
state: 11:53
